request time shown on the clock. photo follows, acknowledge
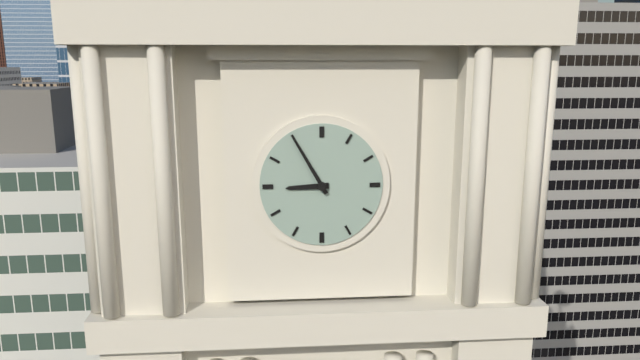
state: 8:55
